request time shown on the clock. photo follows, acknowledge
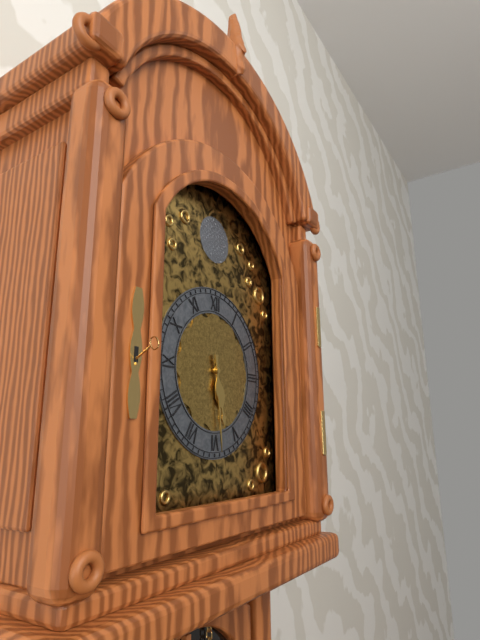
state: 5:29
